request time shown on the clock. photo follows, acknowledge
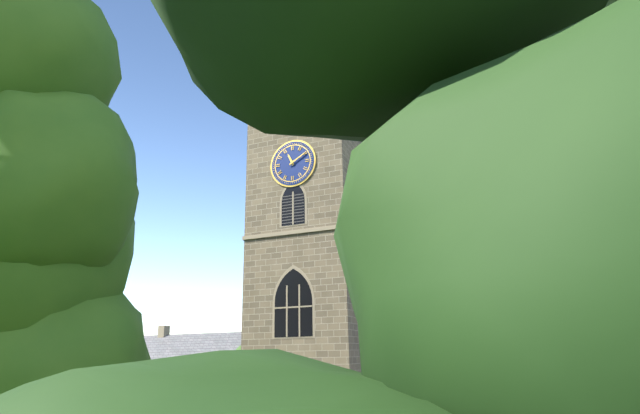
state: 11:10
